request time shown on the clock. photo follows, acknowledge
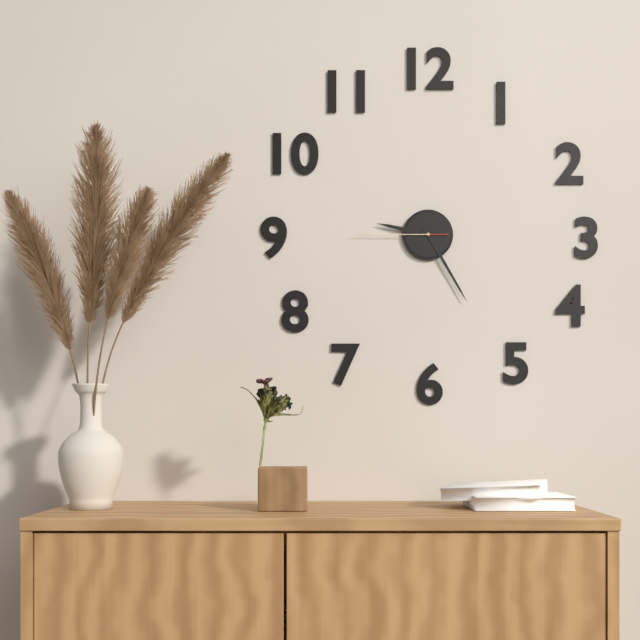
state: 9:25:45
